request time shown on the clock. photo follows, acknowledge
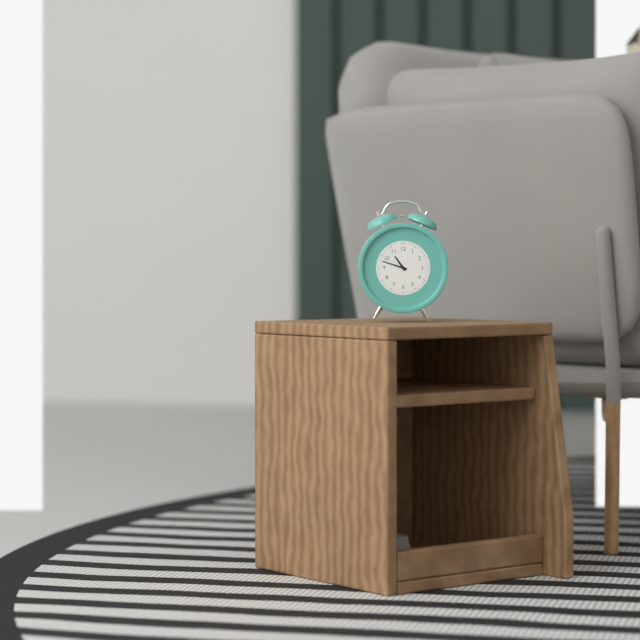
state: 10:48
